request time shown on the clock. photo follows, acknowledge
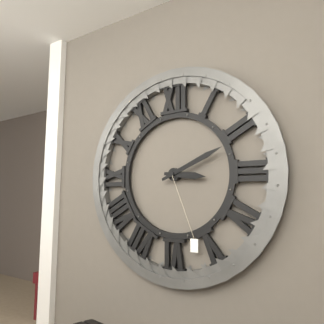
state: 3:11
